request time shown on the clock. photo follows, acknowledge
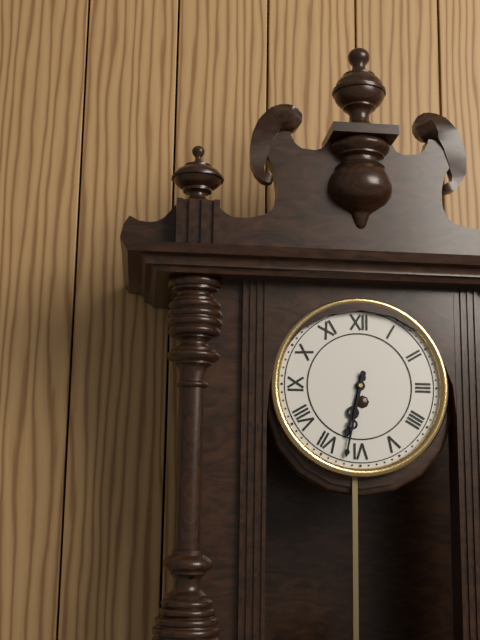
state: 6:32
